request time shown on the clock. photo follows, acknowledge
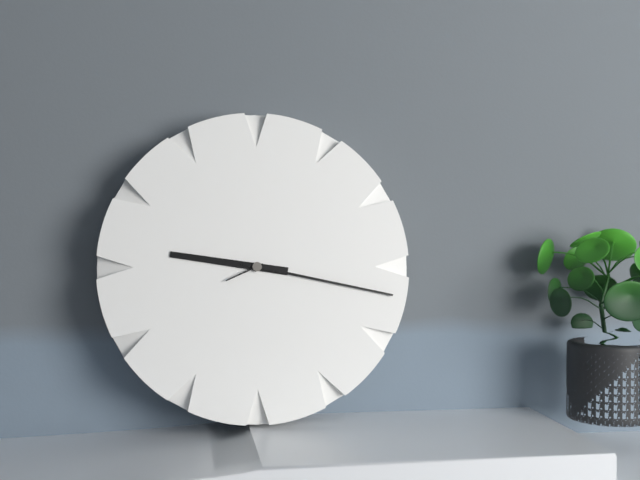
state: 9:17
